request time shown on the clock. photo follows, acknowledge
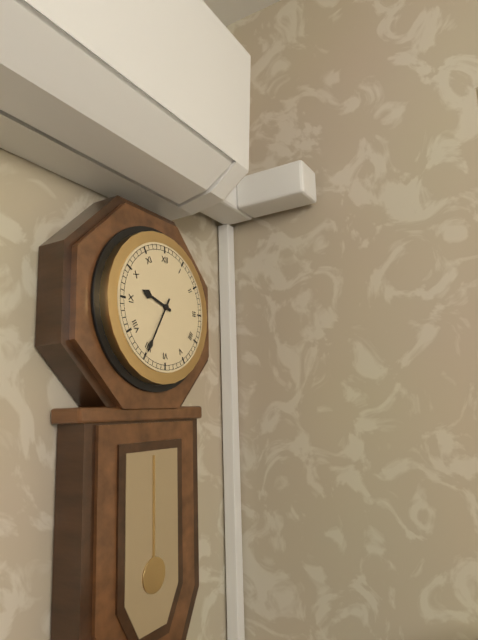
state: 9:35
